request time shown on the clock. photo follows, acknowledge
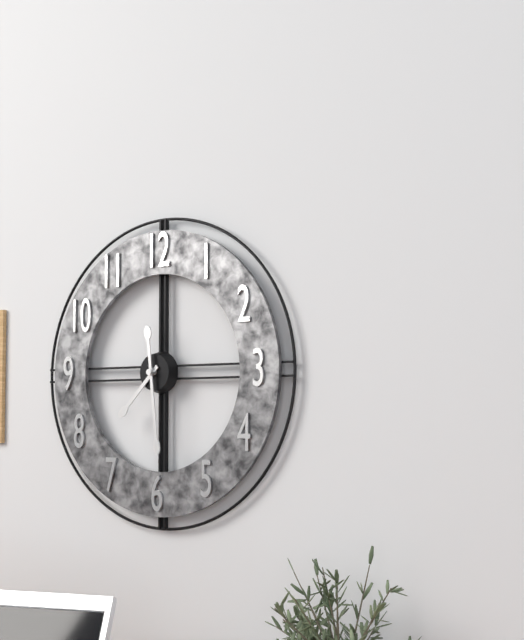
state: 7:29
